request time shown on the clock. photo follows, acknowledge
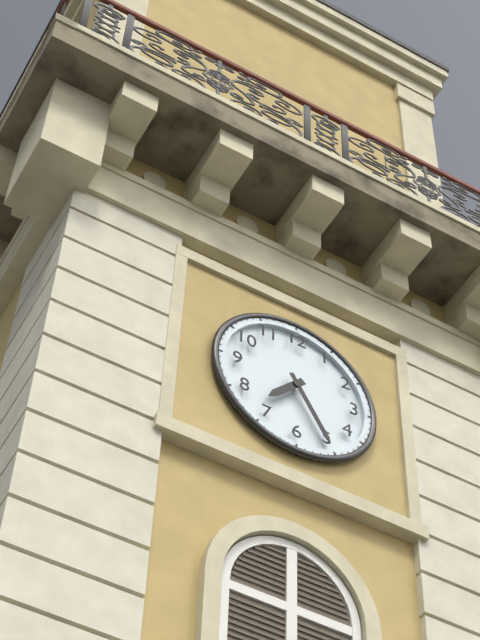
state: 7:25
